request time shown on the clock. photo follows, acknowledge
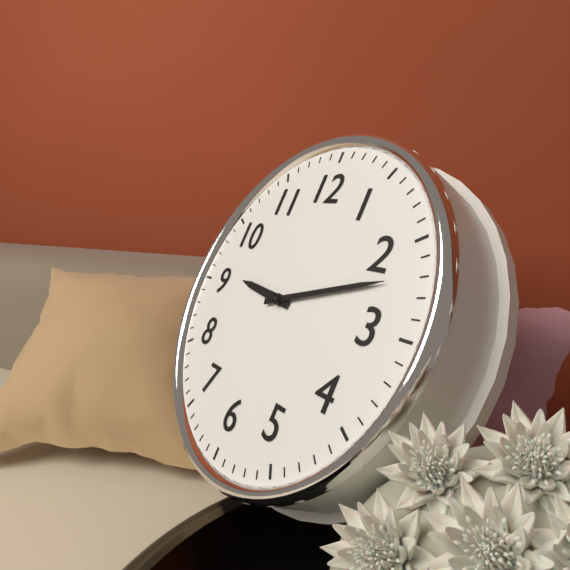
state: 9:12
